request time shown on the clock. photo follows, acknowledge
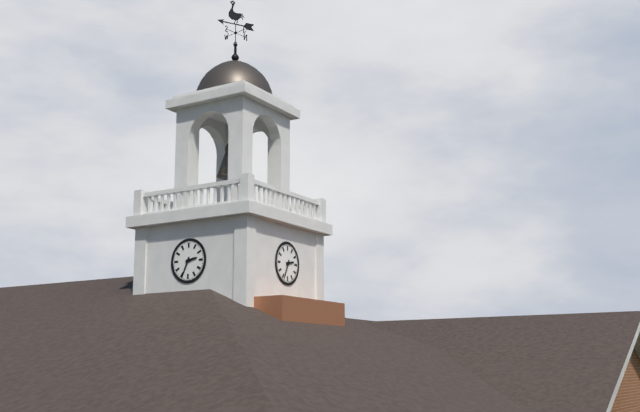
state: 2:34
